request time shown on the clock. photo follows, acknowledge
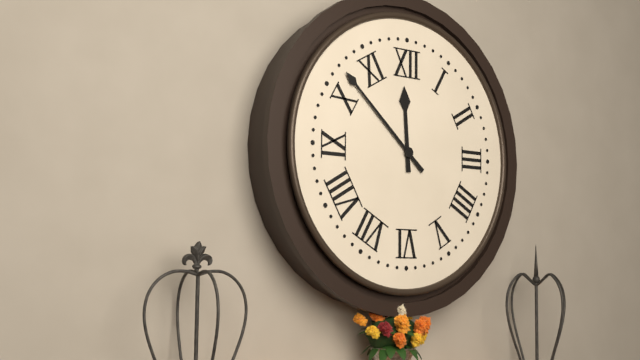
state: 11:52
